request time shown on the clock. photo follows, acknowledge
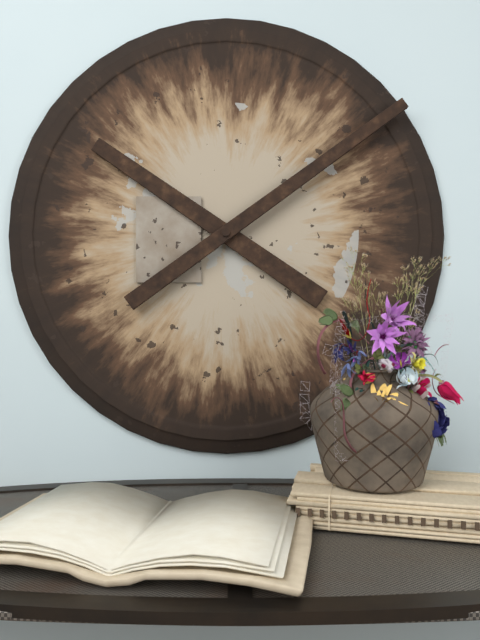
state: 10:09
